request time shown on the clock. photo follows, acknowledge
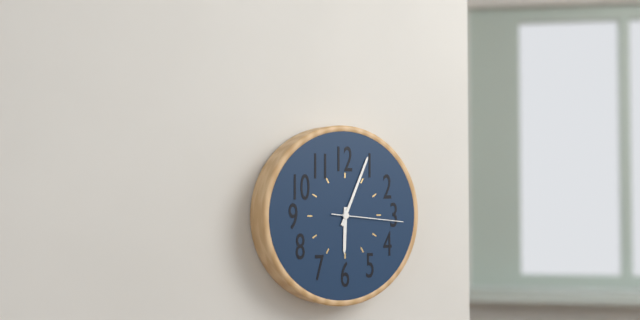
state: 6:04:16
